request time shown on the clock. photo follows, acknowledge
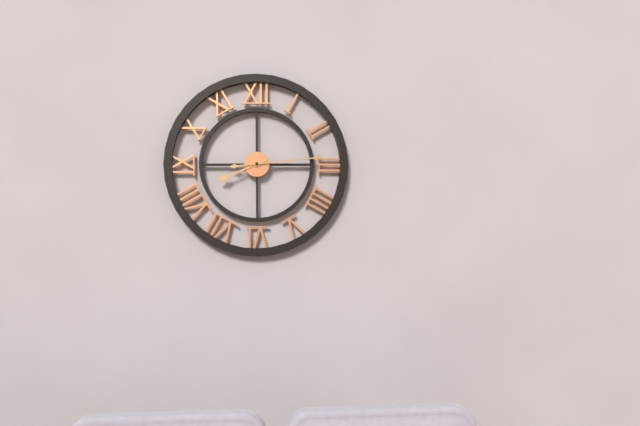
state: 8:14
